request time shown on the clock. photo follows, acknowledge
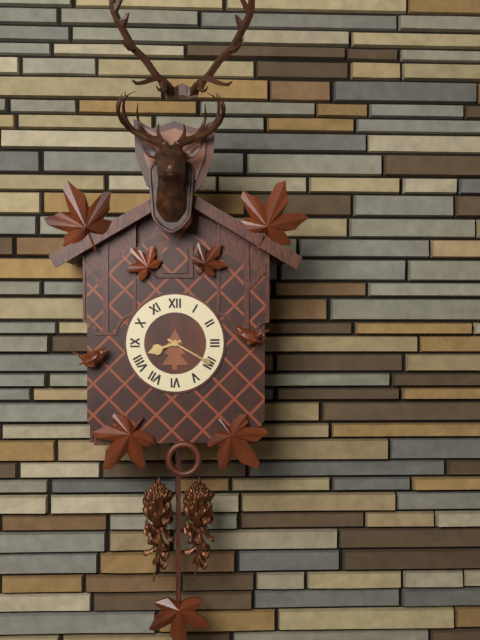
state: 8:20
